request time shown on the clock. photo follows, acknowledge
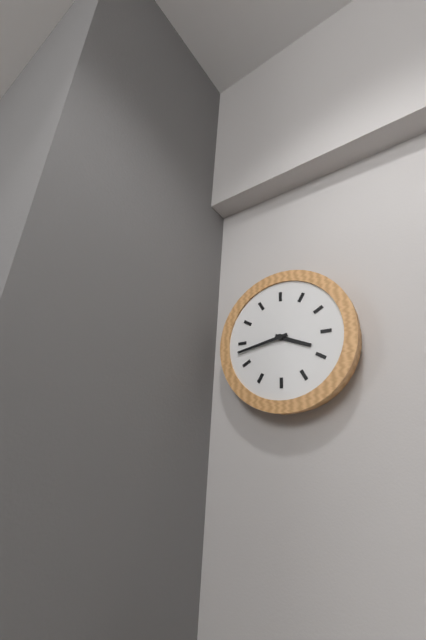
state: 3:43
